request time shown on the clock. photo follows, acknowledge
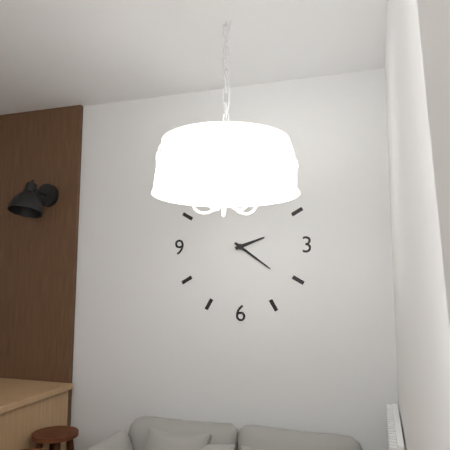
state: 2:21
